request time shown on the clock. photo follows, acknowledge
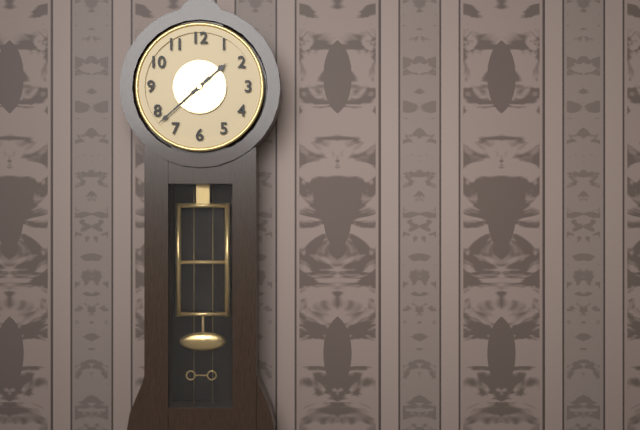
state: 1:38
